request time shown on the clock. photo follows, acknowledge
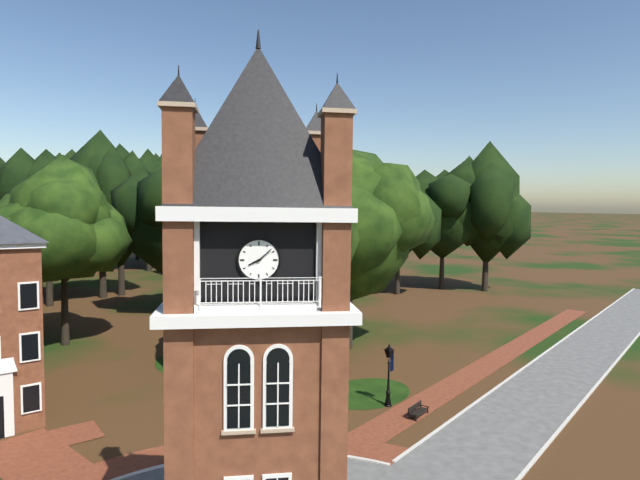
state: 8:08
